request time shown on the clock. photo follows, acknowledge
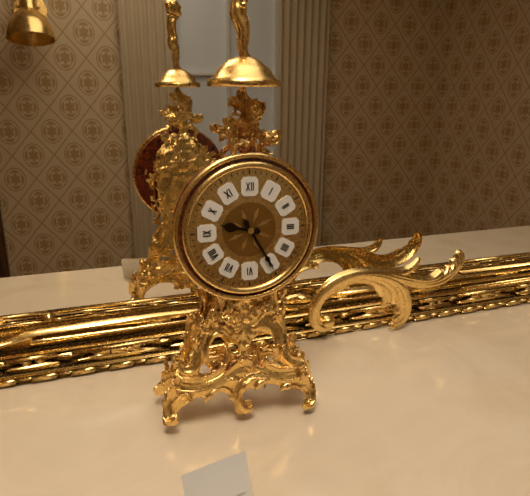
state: 9:25
